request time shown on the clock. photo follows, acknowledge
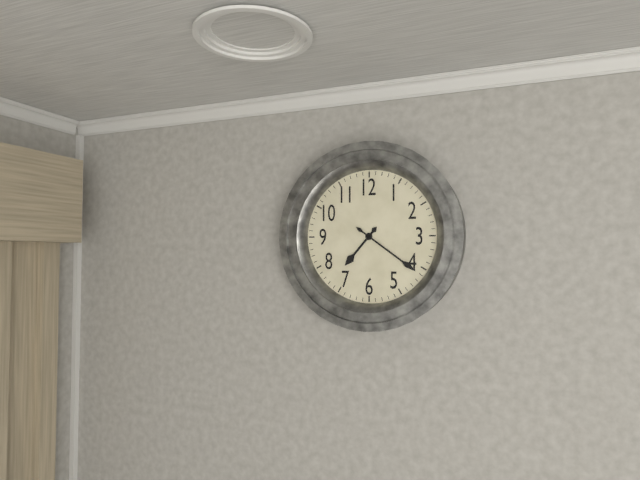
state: 7:21
